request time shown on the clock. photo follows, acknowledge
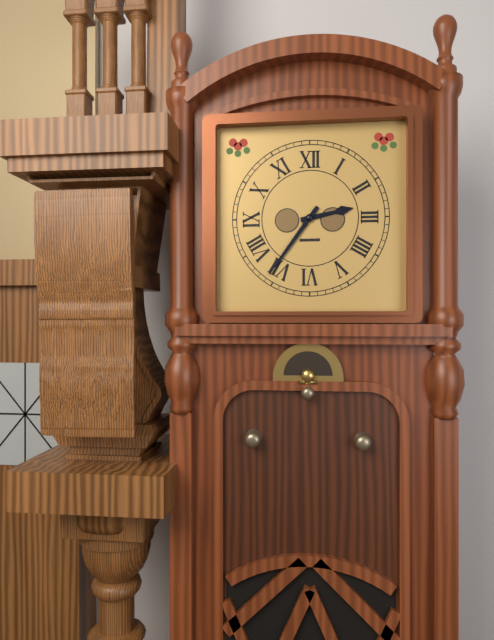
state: 2:36
